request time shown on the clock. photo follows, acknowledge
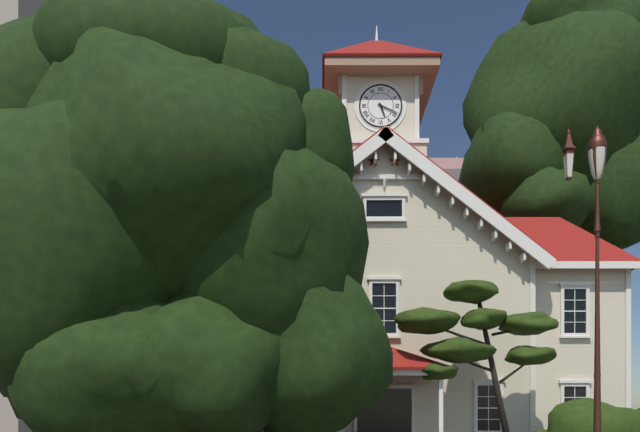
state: 5:19
